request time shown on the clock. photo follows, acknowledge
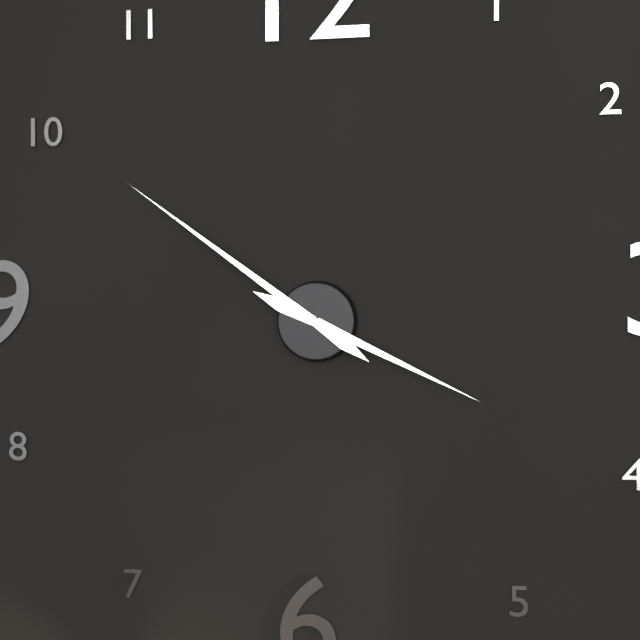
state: 3:51
